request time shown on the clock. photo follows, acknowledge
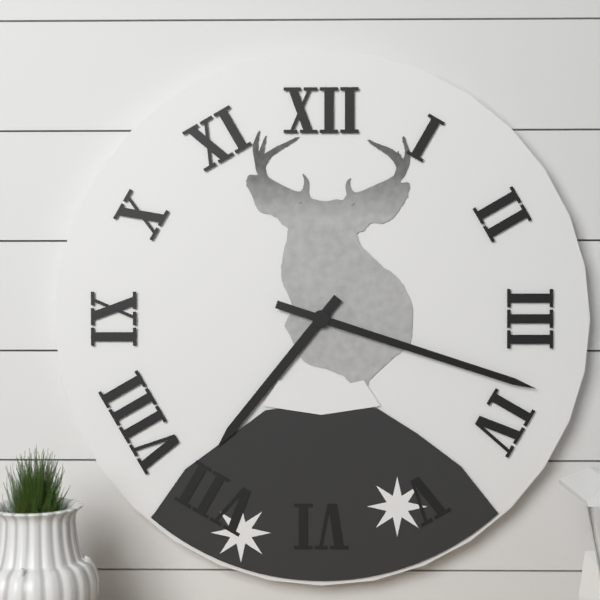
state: 7:18
